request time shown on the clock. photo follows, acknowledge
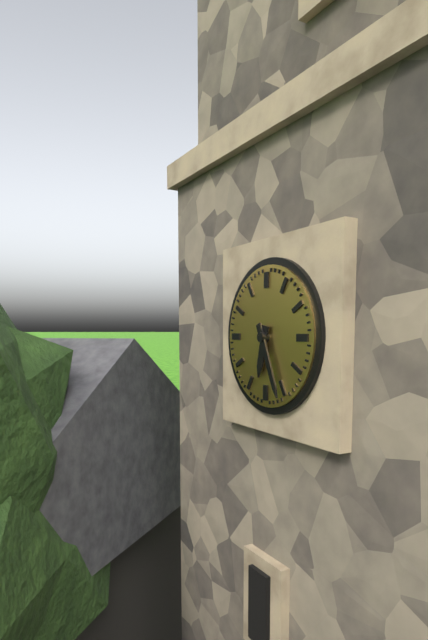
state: 6:26
